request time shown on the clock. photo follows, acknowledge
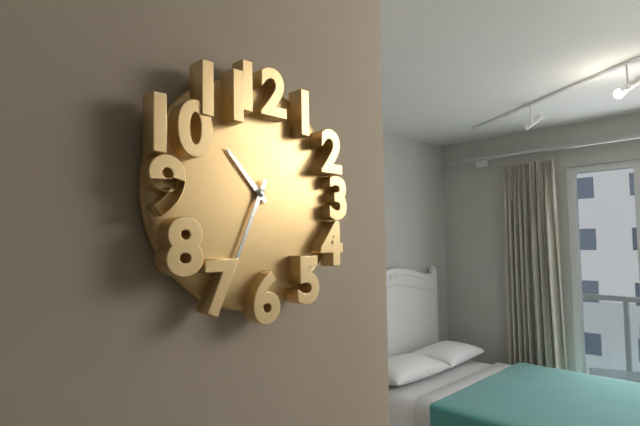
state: 10:34
